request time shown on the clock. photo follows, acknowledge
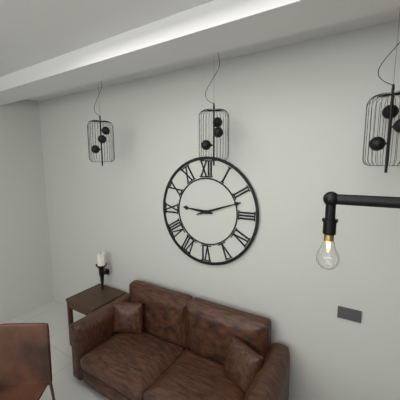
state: 9:12
